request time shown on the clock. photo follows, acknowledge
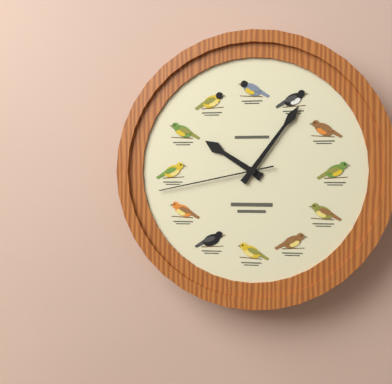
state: 10:06:43
